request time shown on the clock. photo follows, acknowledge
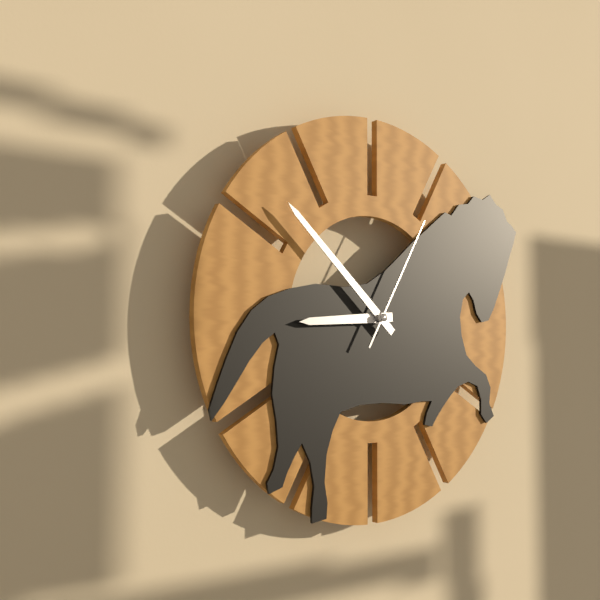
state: 8:52:05
